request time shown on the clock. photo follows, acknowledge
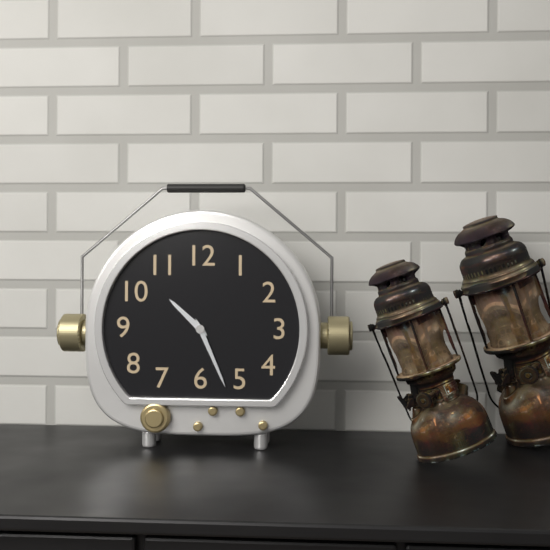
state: 10:26
